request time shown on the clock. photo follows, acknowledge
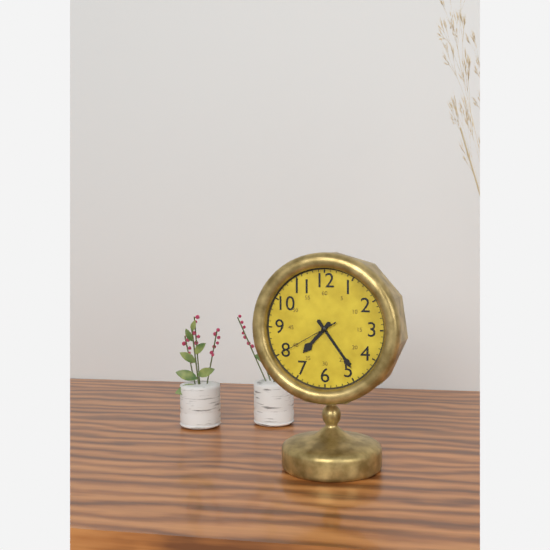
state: 7:24:40
